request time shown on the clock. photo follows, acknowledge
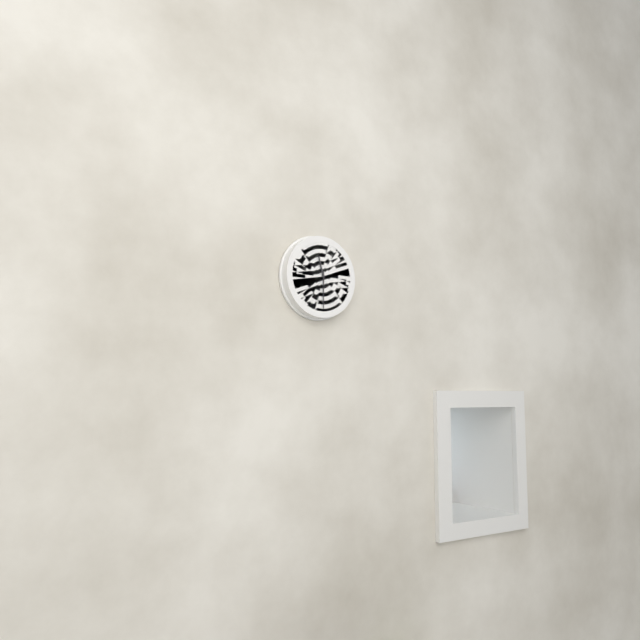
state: 11:30
